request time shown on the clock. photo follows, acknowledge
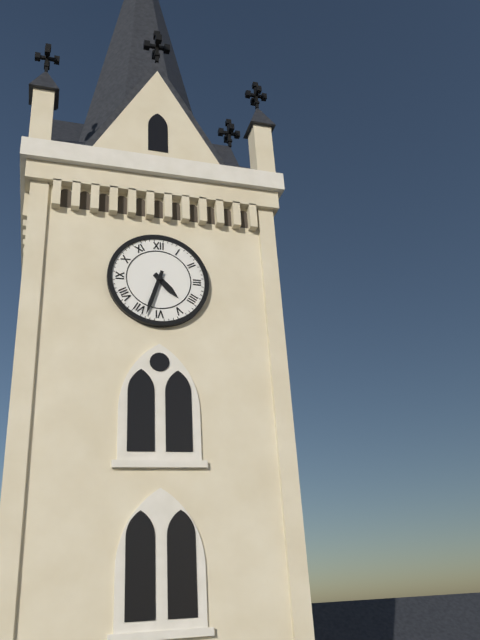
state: 4:33
